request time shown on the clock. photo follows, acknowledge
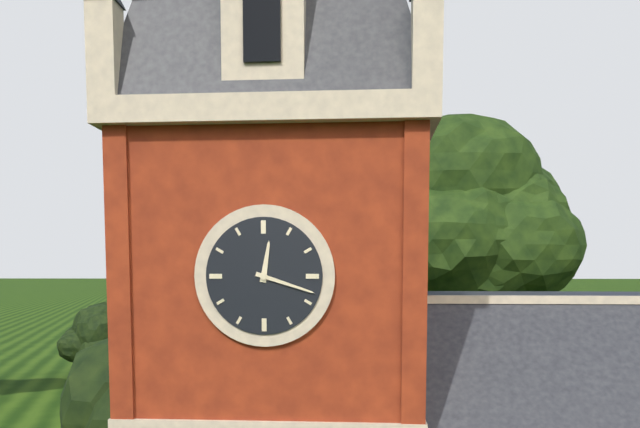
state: 12:18
